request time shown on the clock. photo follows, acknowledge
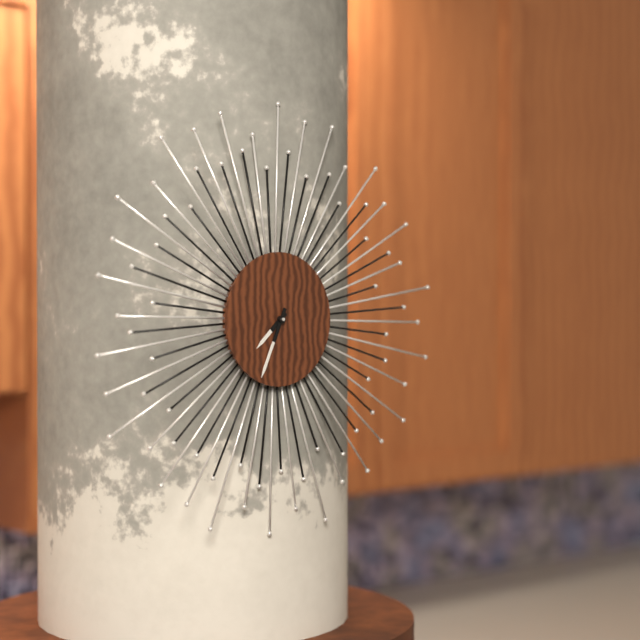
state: 7:34
